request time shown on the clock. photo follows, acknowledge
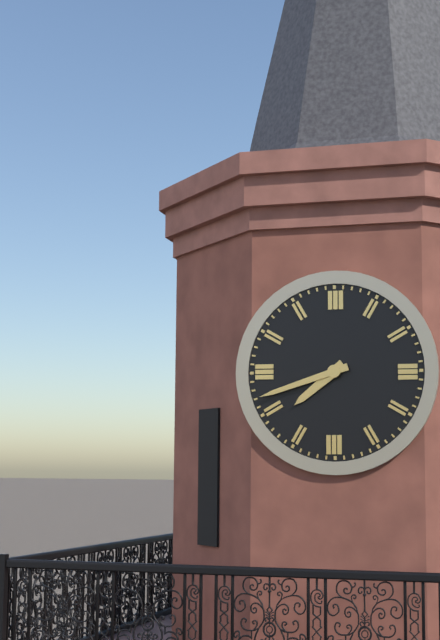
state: 7:42
